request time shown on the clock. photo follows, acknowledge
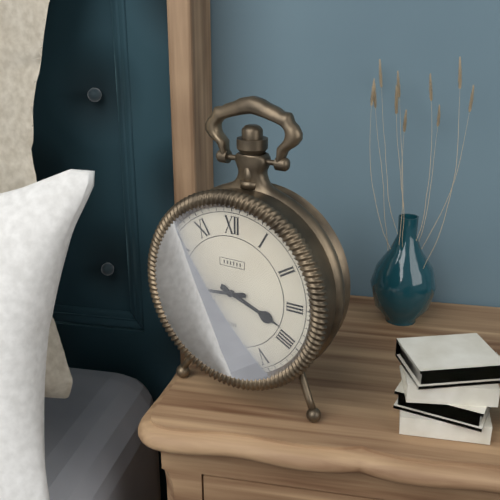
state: 3:44
